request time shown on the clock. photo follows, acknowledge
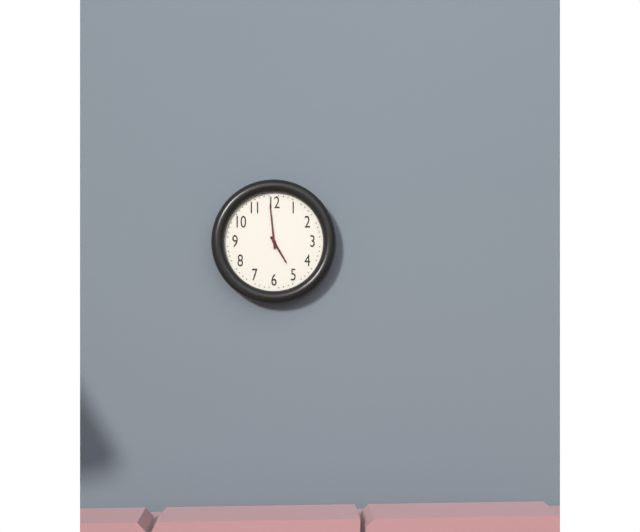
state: 4:59
